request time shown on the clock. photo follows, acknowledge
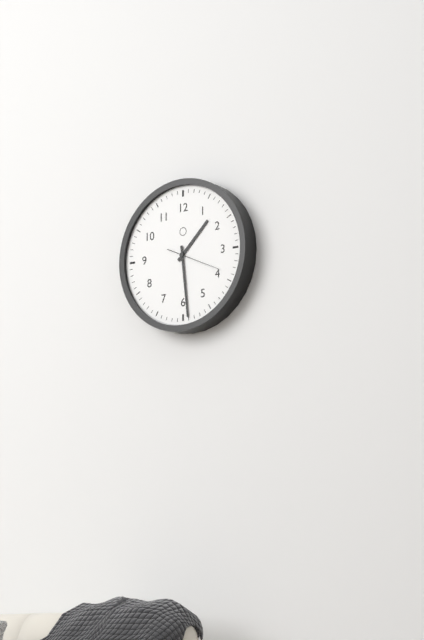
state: 1:29
